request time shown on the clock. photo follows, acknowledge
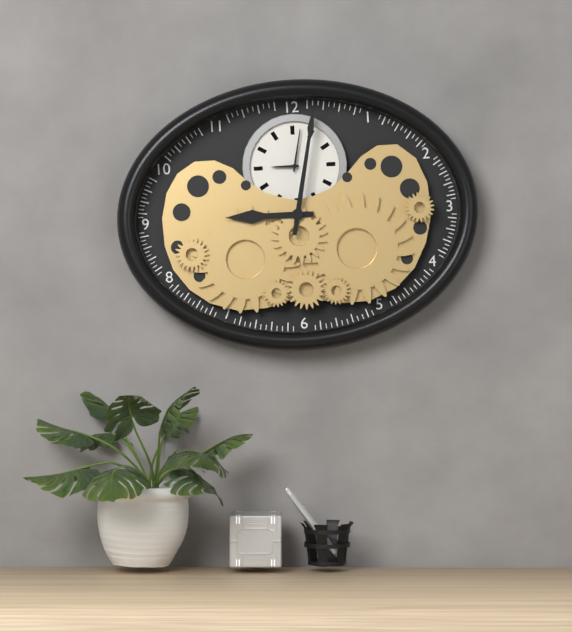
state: 9:02
